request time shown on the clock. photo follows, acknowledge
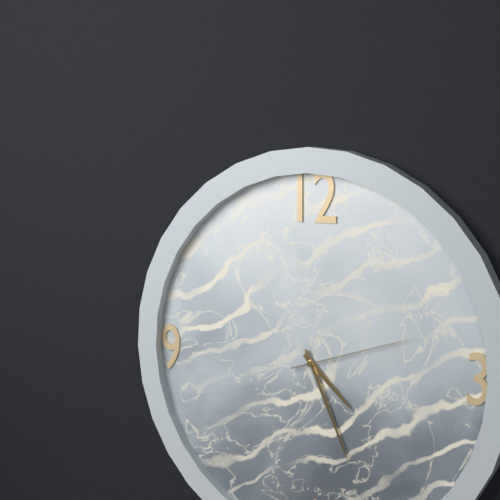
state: 4:26:12
